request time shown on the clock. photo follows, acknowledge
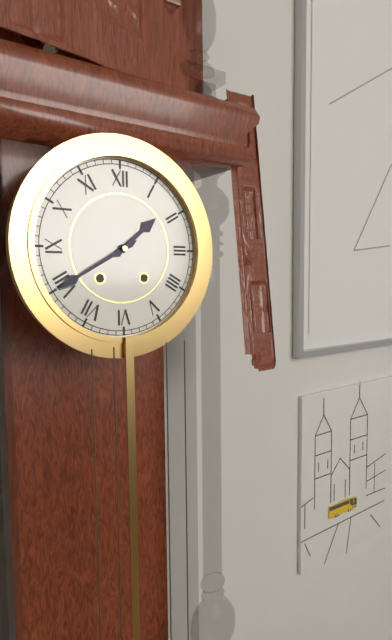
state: 1:40
